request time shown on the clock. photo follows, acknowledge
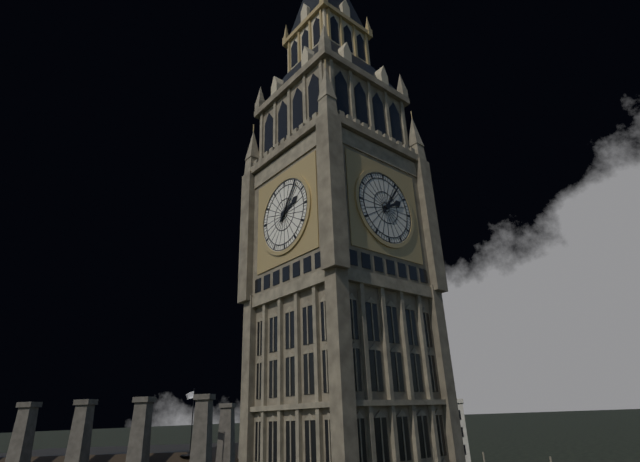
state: 2:06
